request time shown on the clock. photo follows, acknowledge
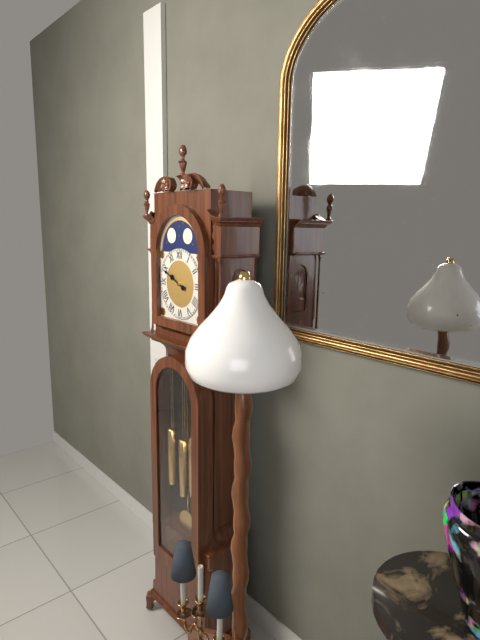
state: 9:49
